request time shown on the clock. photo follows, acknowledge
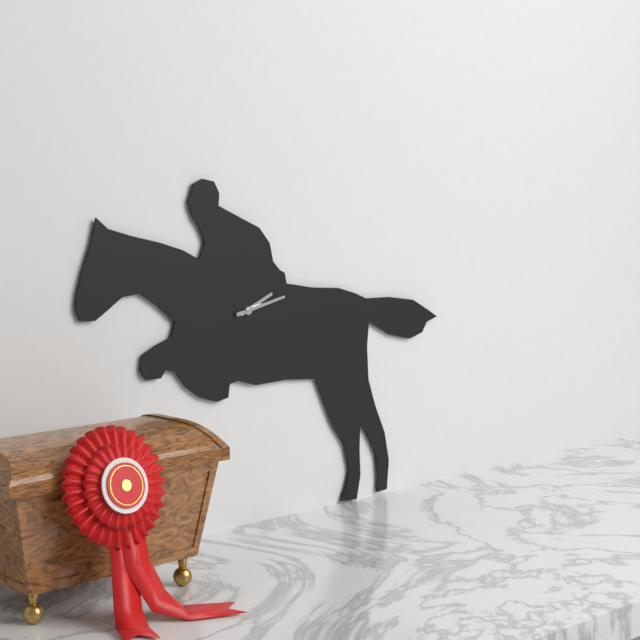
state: 2:13
